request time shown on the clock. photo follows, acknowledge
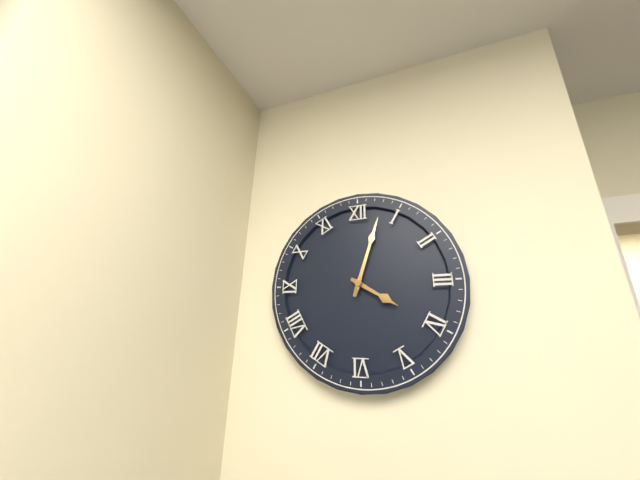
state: 4:03
